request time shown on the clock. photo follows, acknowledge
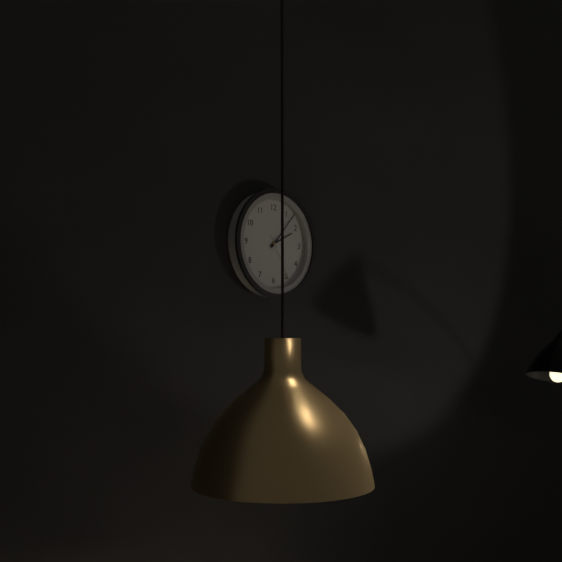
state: 2:07:25
